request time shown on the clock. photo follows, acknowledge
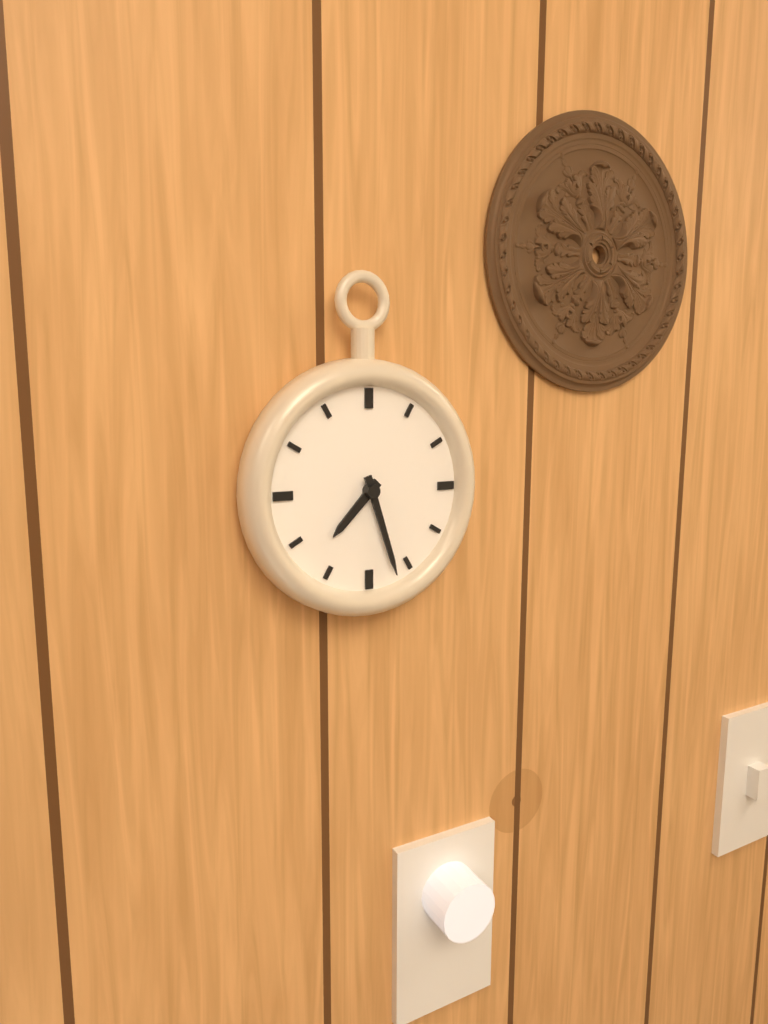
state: 7:27
